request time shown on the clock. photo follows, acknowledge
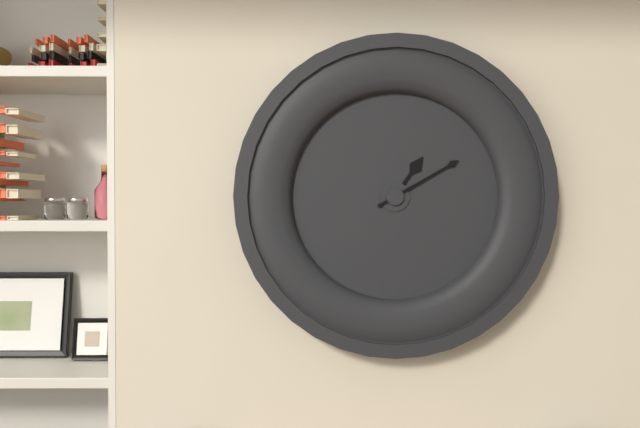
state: 1:10
